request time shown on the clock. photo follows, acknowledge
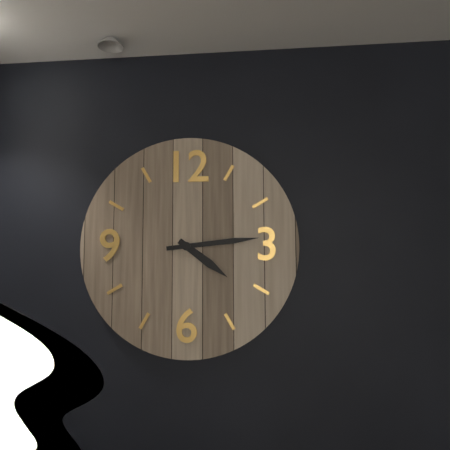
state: 4:14
